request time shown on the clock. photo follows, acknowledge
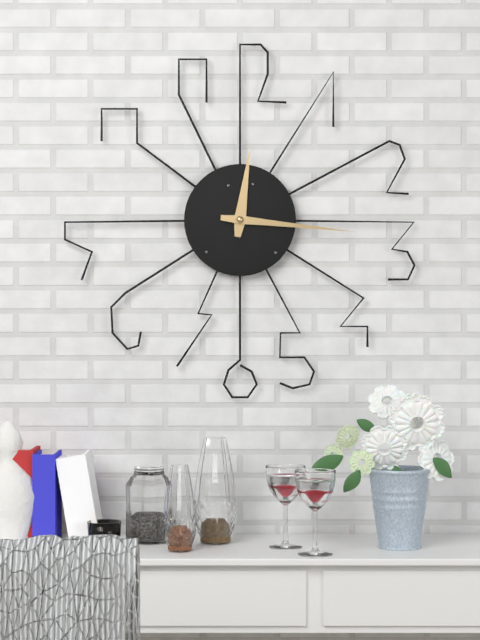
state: 12:16
